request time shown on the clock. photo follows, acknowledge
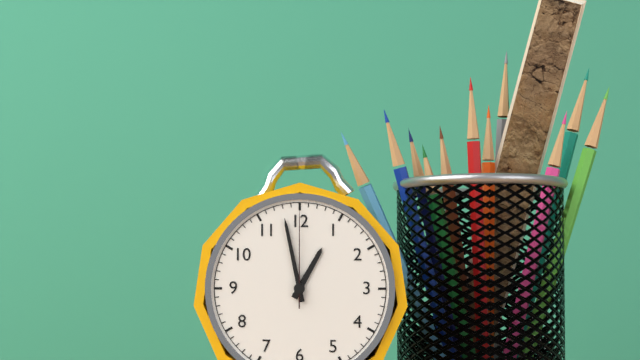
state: 12:58:00
